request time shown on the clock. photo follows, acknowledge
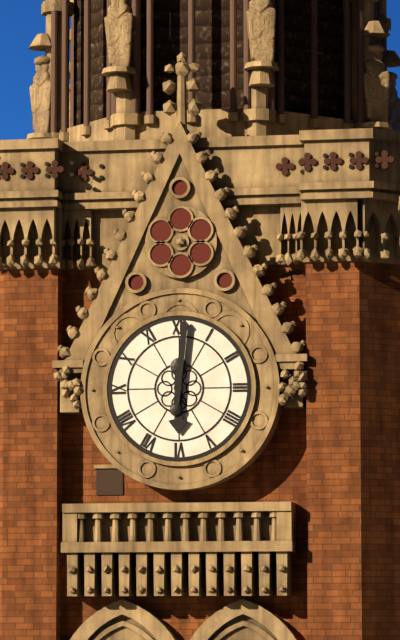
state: 6:01
